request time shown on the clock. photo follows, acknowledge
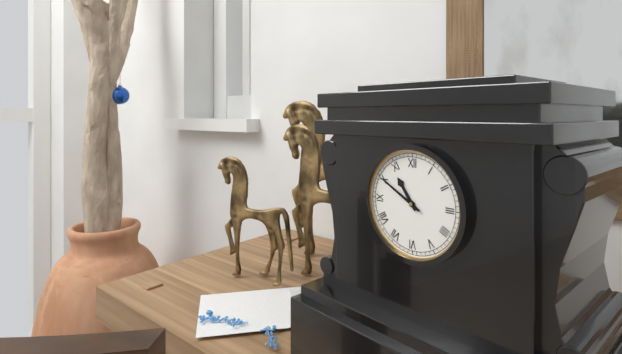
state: 10:50
